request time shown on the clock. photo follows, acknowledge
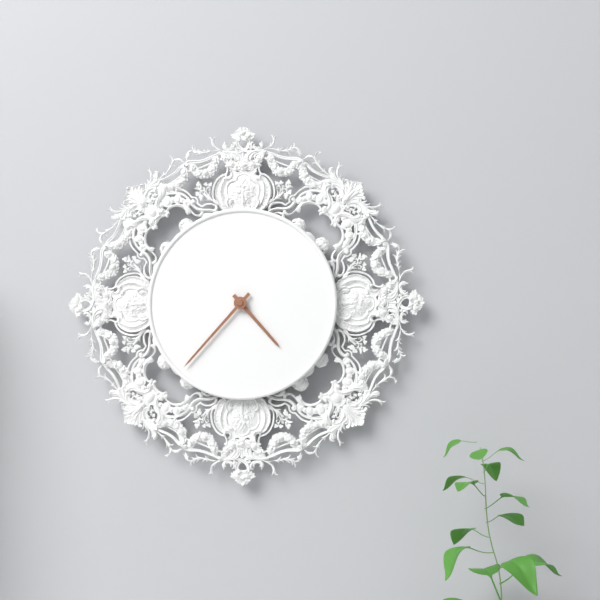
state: 4:37
